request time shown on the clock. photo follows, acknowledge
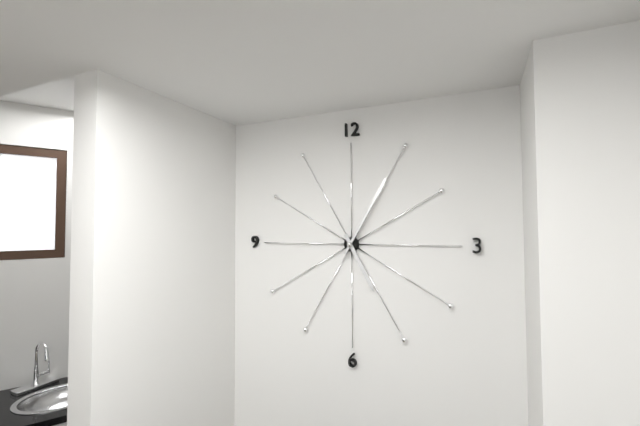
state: 5:05
